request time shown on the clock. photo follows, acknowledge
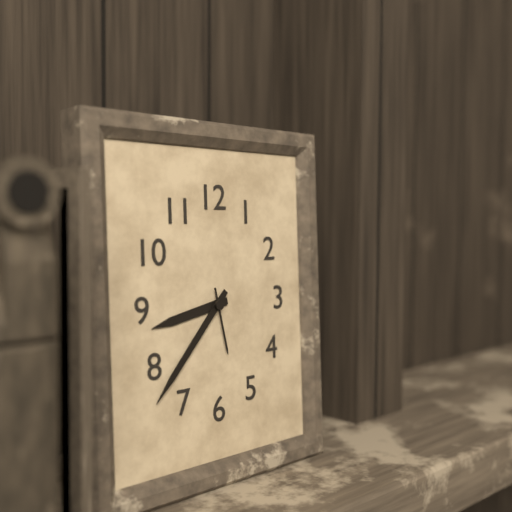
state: 8:37:28
